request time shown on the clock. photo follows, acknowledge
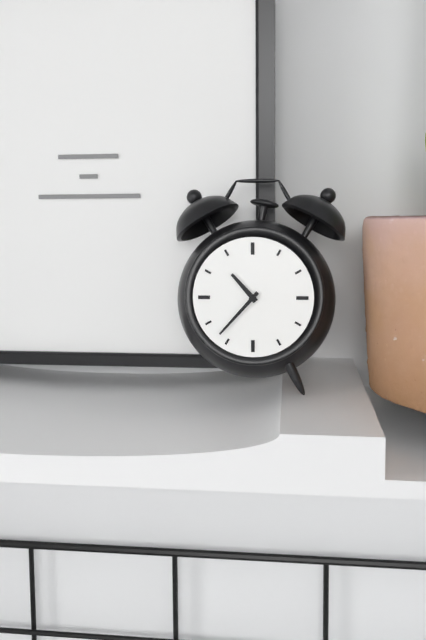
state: 10:37
